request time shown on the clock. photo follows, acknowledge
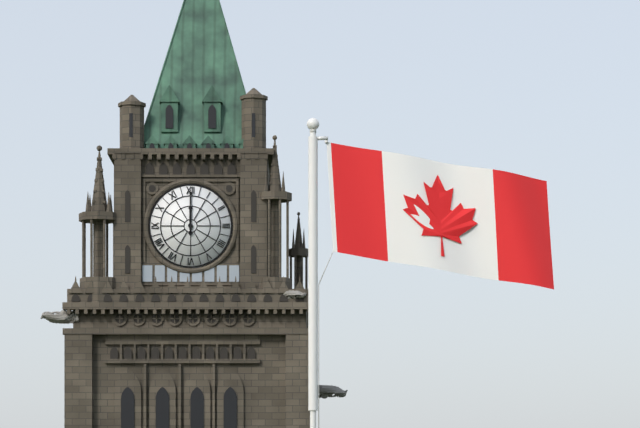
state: 12:00
